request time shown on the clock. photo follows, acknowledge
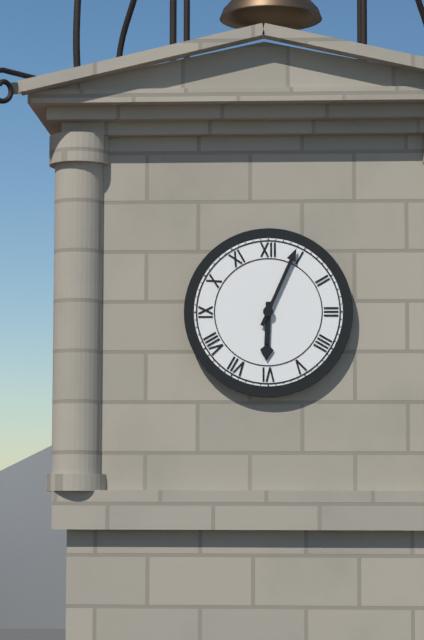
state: 6:04
